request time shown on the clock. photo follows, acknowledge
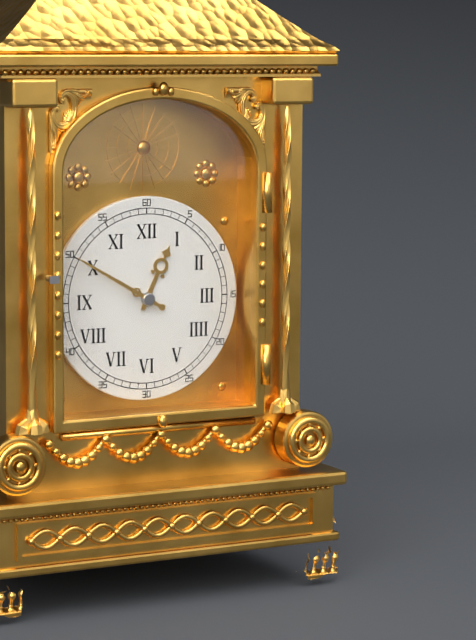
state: 12:50
